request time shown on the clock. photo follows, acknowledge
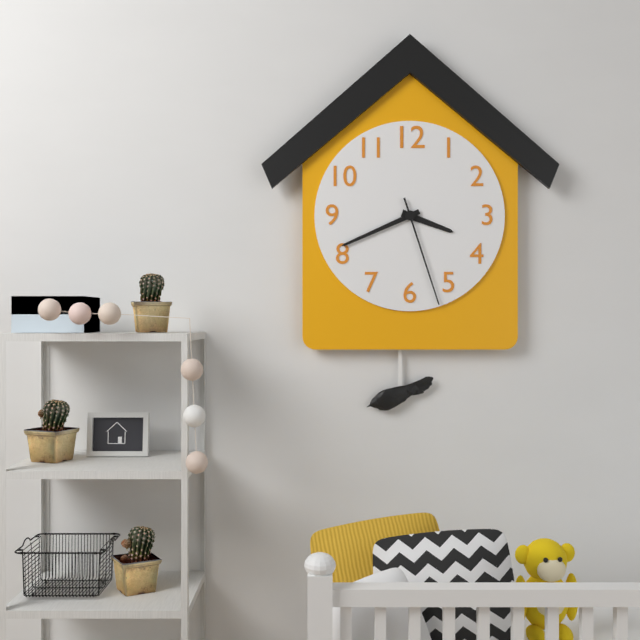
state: 3:41:27
